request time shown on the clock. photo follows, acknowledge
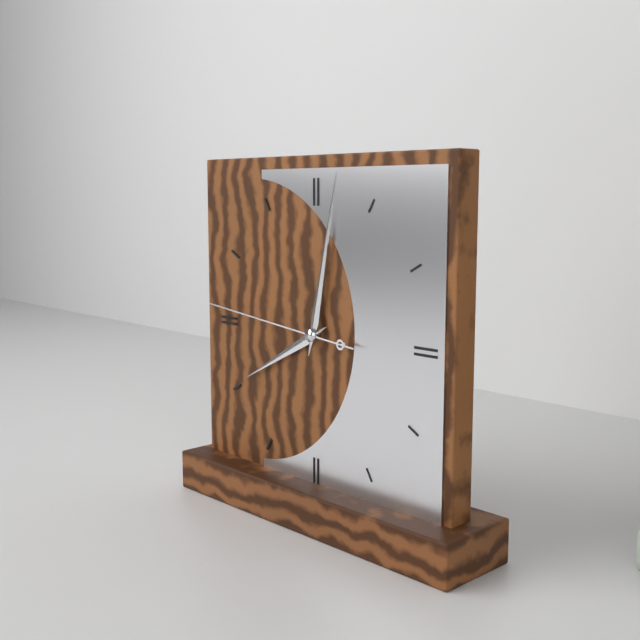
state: 8:02:46
